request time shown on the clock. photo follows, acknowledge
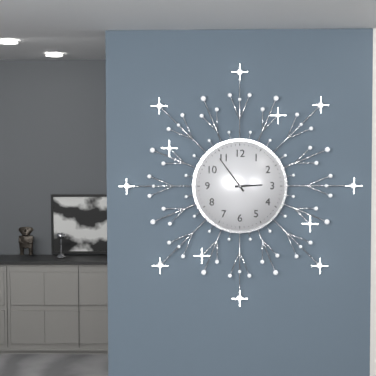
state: 2:54
